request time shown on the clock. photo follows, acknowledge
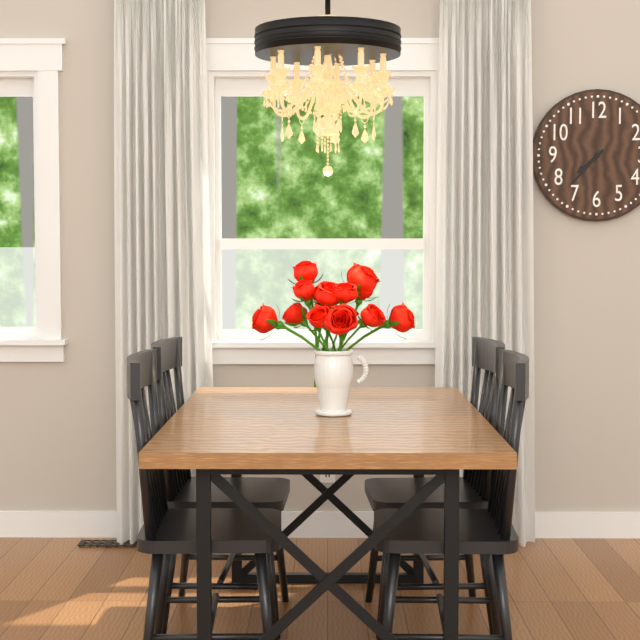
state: 7:37
